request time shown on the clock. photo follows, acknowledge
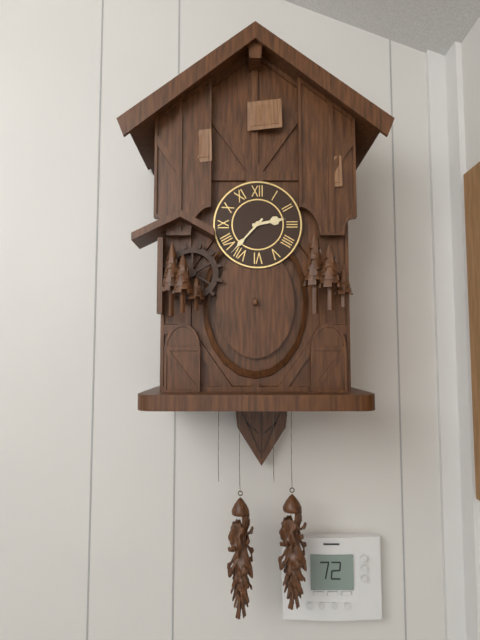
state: 2:37
